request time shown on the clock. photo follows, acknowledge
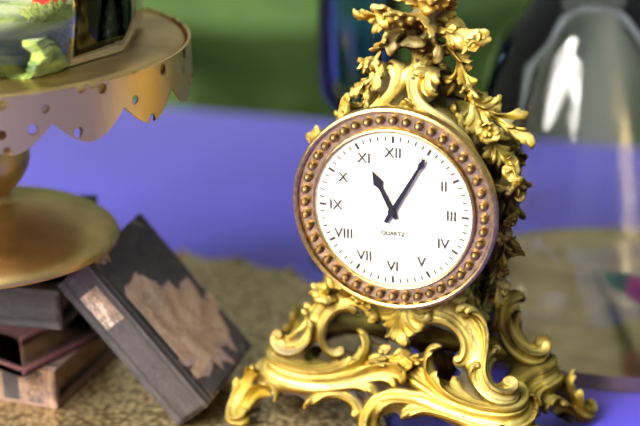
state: 11:05
